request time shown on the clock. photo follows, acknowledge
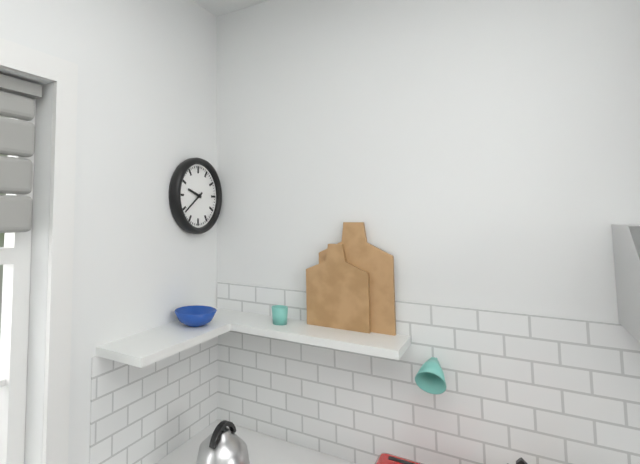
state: 9:39
